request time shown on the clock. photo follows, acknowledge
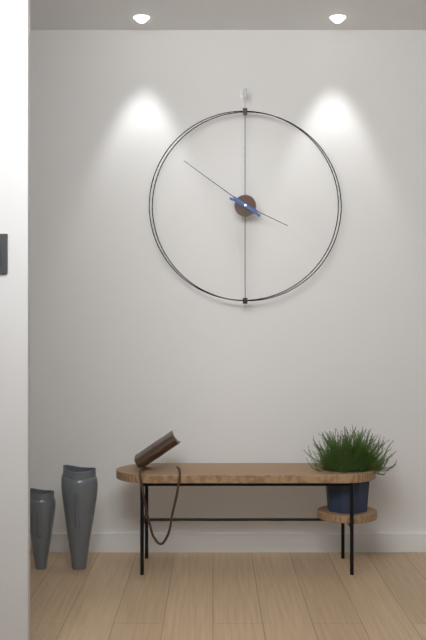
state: 3:51
